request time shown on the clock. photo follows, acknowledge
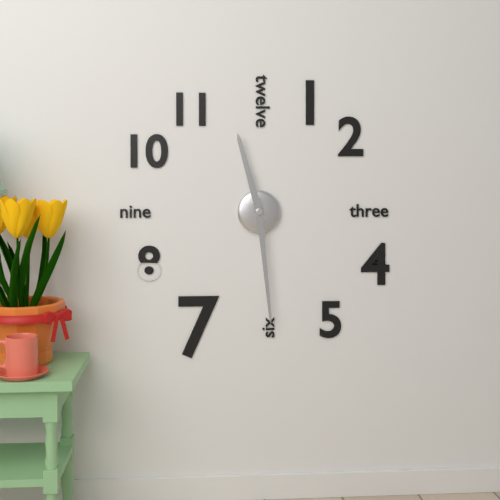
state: 11:29
